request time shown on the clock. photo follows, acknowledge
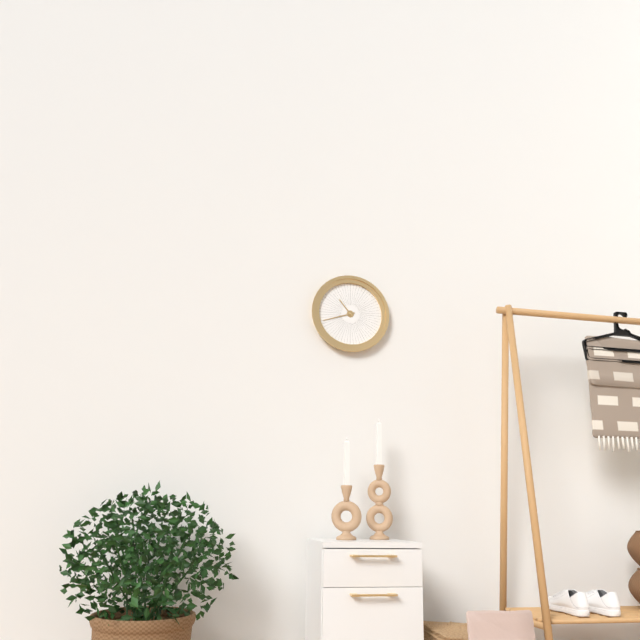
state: 10:42
